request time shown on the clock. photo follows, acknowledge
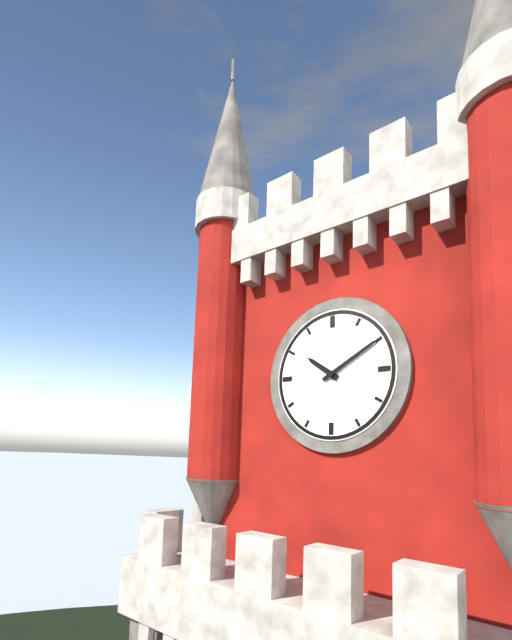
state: 10:10
